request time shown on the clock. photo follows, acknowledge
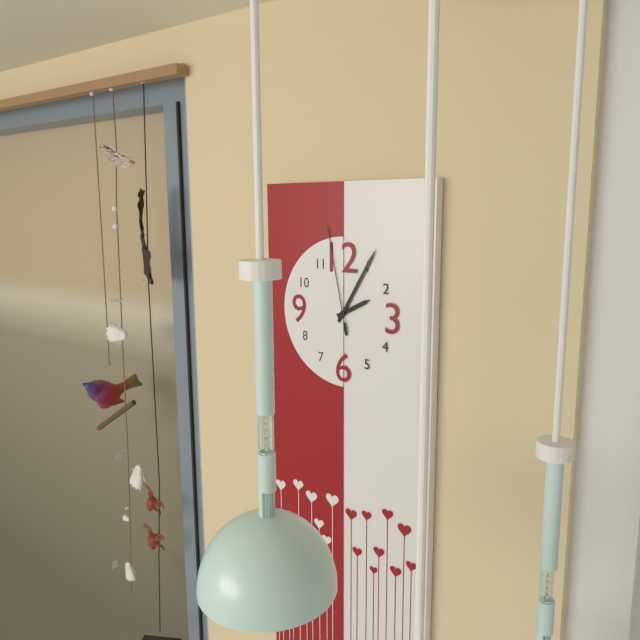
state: 2:05:58
